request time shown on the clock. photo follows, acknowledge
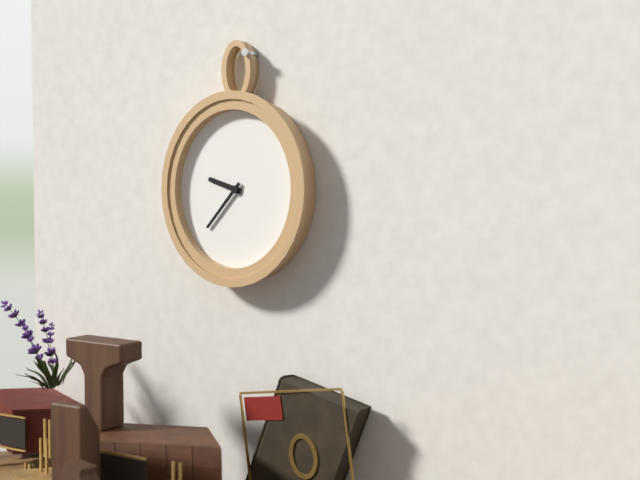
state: 9:37
